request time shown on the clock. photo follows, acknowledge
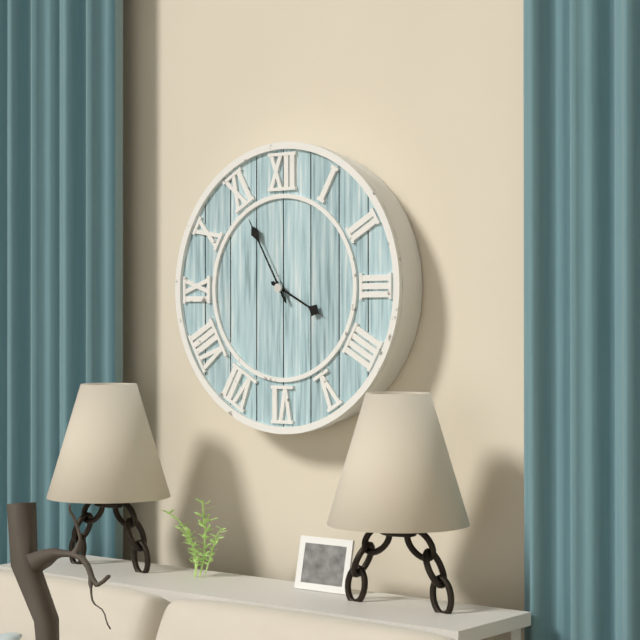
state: 3:55
